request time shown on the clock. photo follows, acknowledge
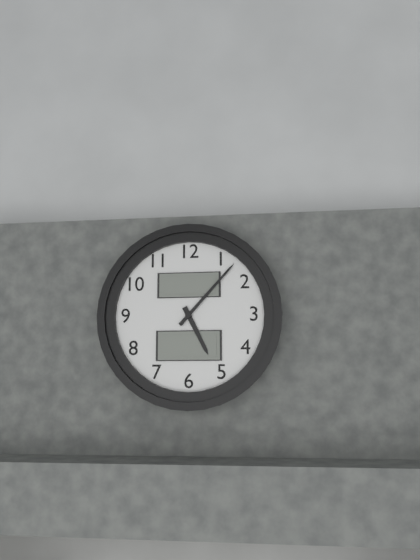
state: 5:07
